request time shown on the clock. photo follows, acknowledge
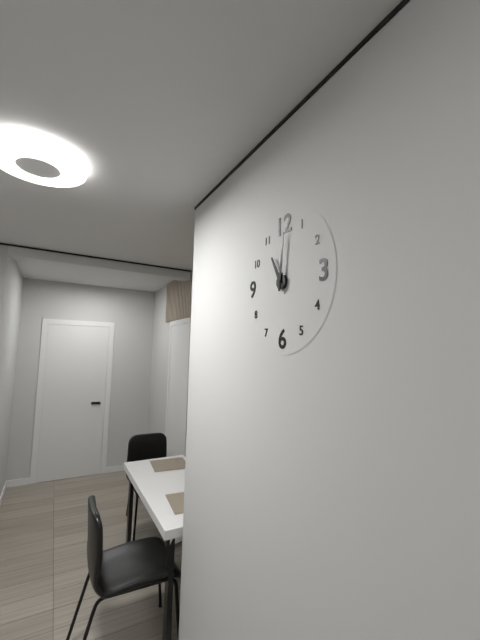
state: 11:01
